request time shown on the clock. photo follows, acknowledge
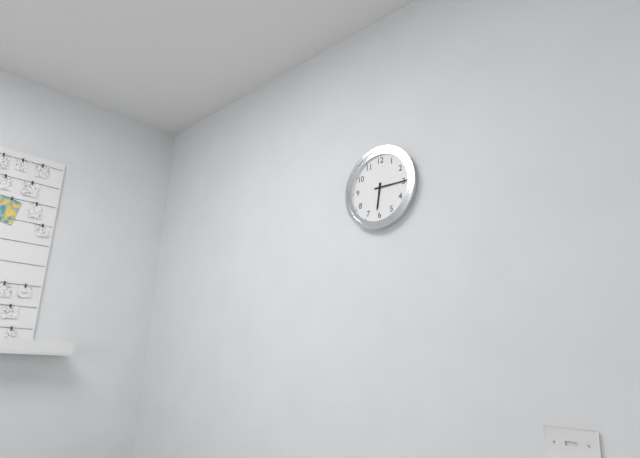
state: 6:15
